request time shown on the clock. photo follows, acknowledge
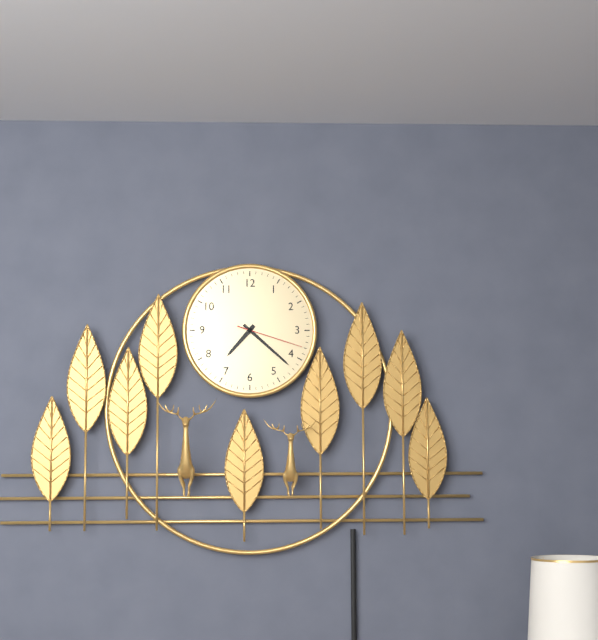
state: 7:22:18
